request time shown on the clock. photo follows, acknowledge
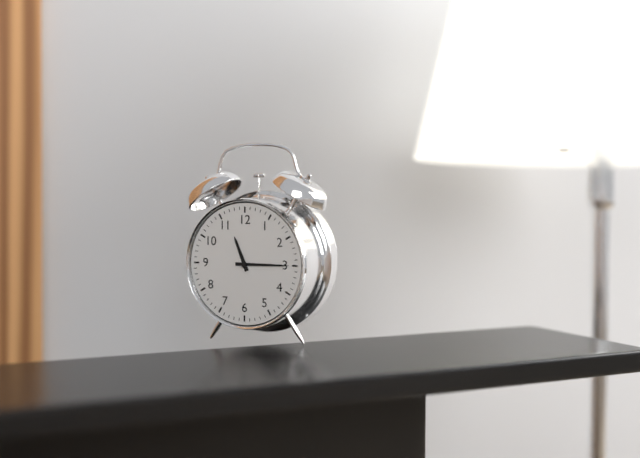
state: 11:15
